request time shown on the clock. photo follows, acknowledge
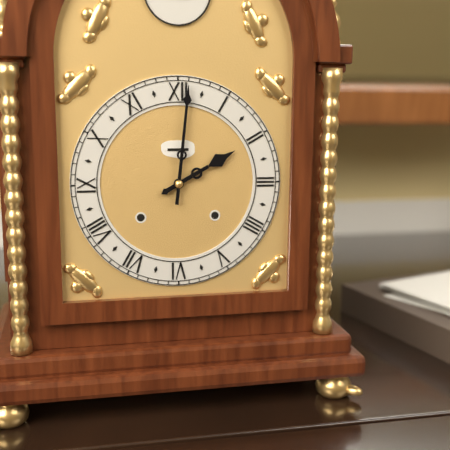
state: 2:01
